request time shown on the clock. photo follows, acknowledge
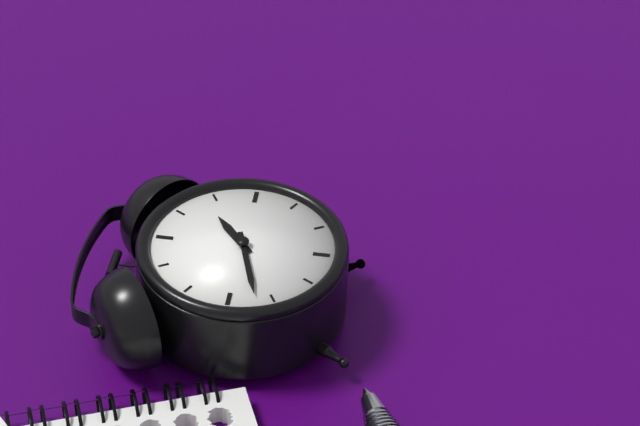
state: 1:42
